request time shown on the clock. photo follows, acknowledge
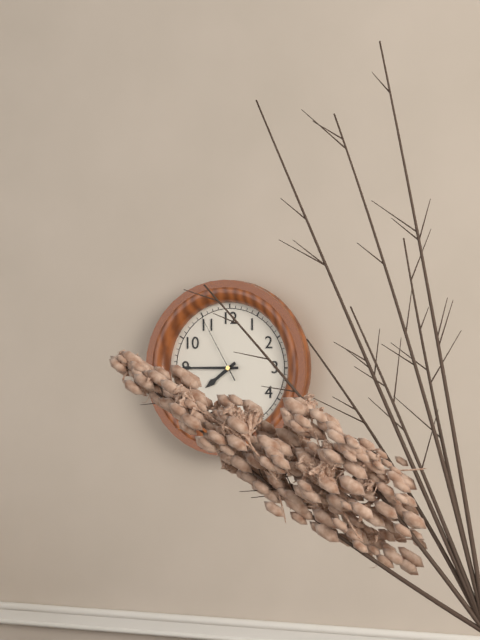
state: 7:45:55
